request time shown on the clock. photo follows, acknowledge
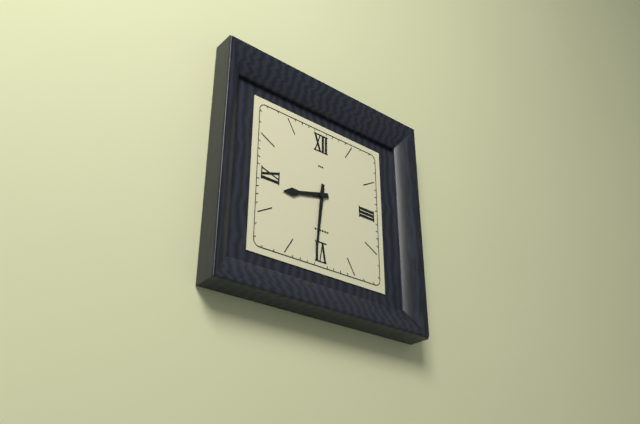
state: 8:31
